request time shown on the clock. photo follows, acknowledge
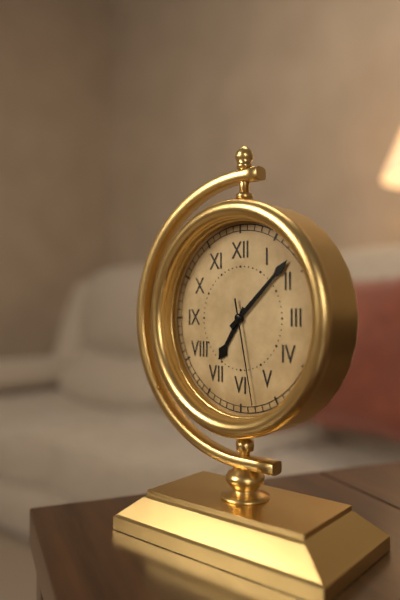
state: 7:08:28
